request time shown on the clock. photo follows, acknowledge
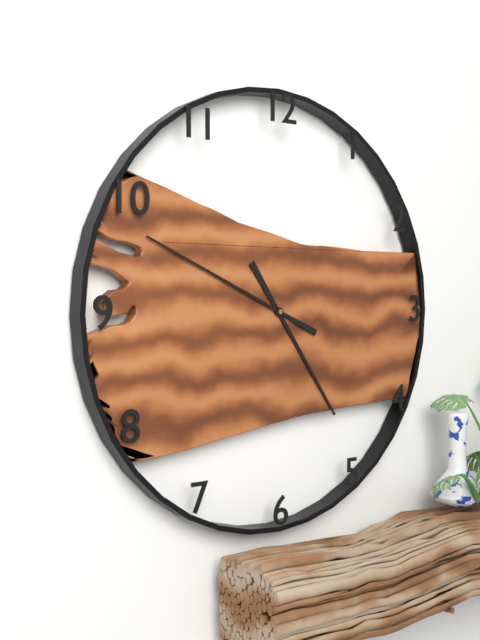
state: 4:49
